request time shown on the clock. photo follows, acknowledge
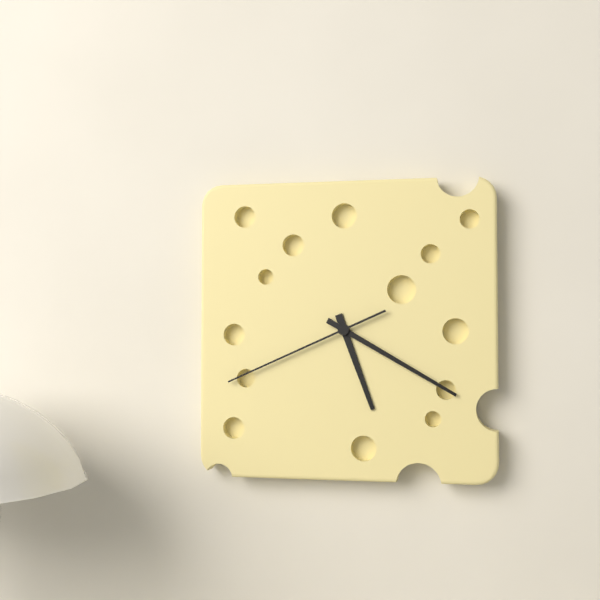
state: 5:20:41
